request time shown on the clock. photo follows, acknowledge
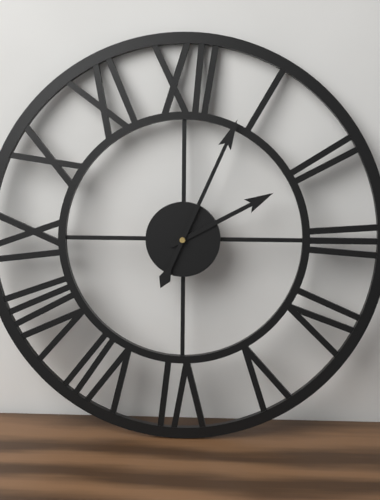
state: 2:04
